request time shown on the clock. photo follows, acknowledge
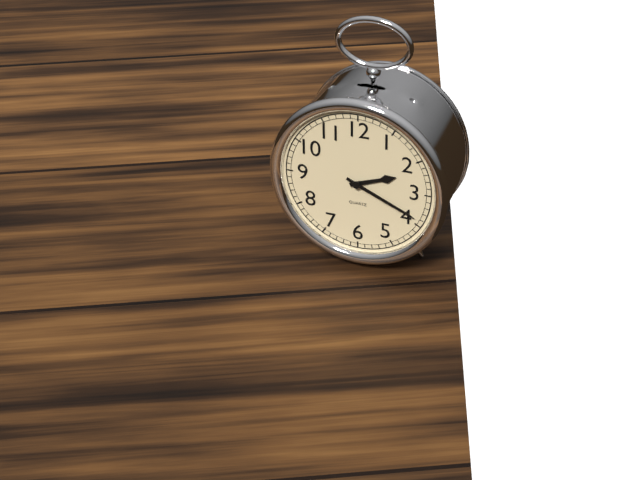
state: 2:19
